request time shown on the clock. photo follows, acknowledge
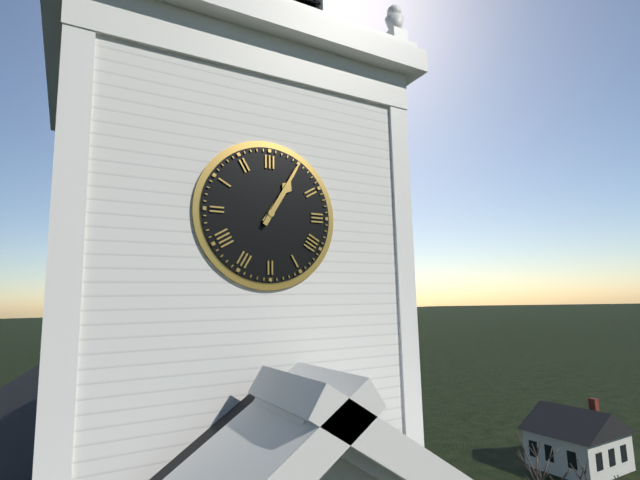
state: 1:05
